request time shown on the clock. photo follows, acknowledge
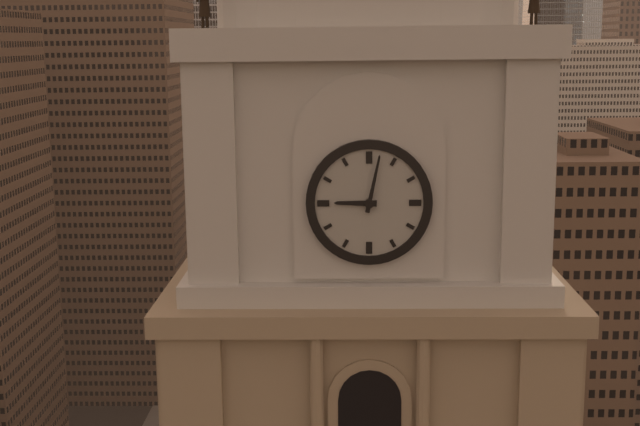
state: 9:02
